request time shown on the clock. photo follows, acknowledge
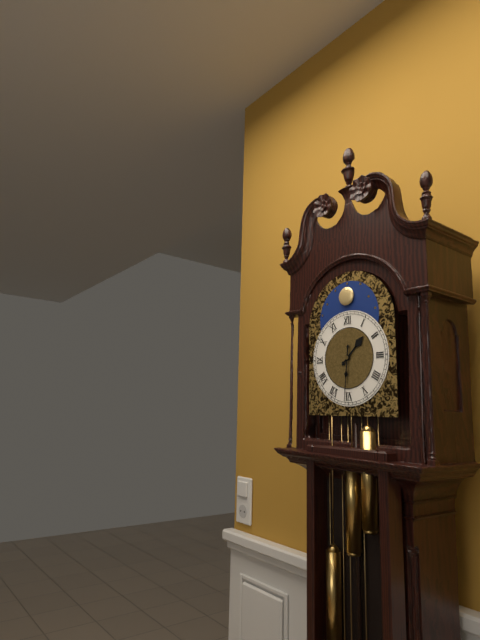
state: 1:31
